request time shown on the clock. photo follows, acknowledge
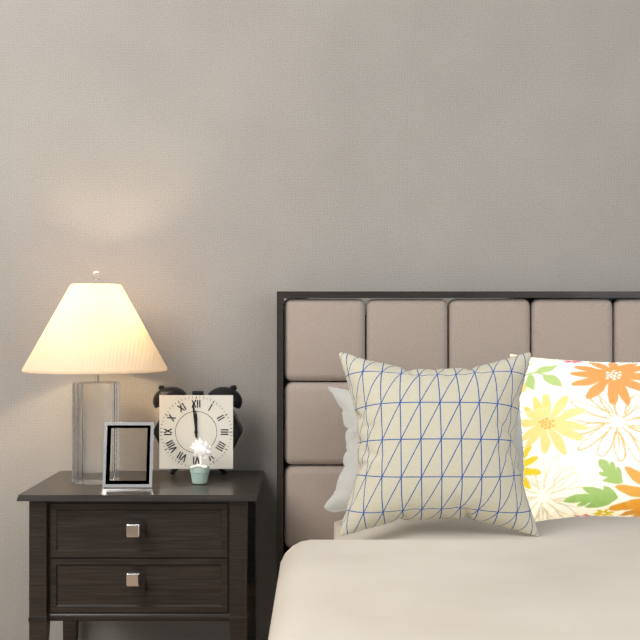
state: 11:59
